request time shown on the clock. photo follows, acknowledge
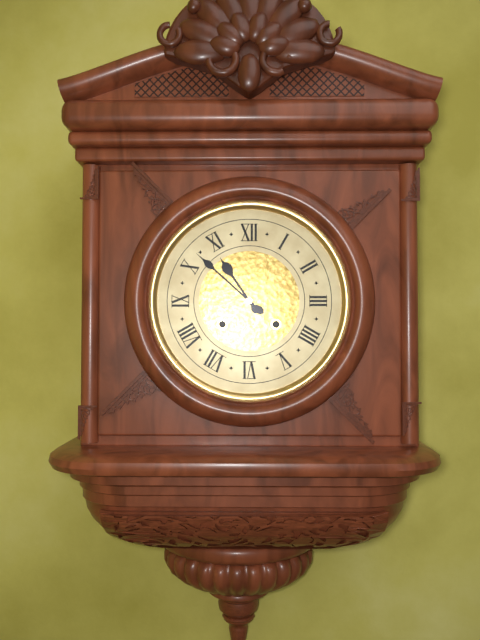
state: 10:52
